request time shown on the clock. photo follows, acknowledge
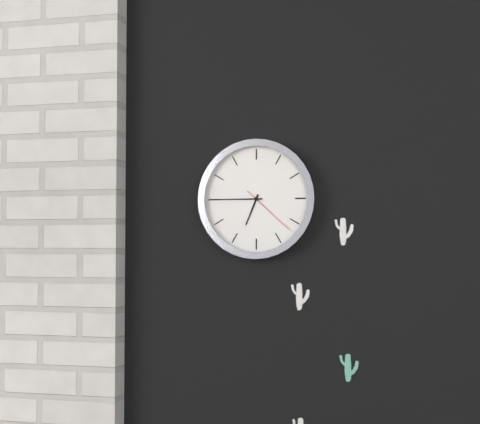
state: 6:45:22
